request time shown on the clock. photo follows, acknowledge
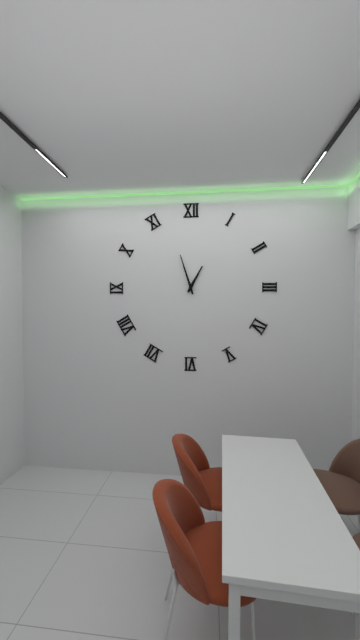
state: 12:57
